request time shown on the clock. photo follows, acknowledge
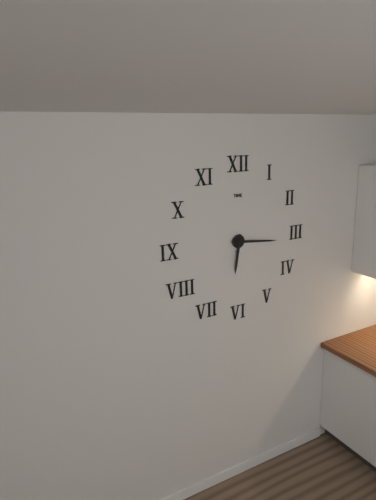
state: 6:16
